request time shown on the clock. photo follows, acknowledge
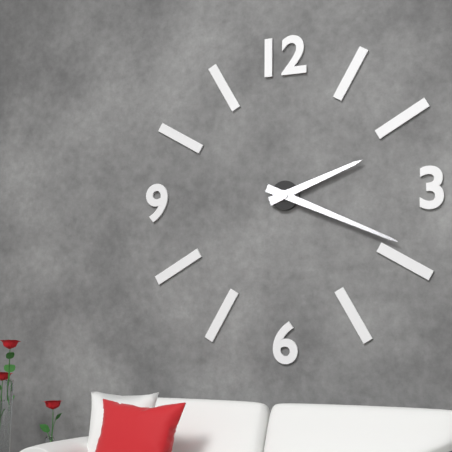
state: 2:19
